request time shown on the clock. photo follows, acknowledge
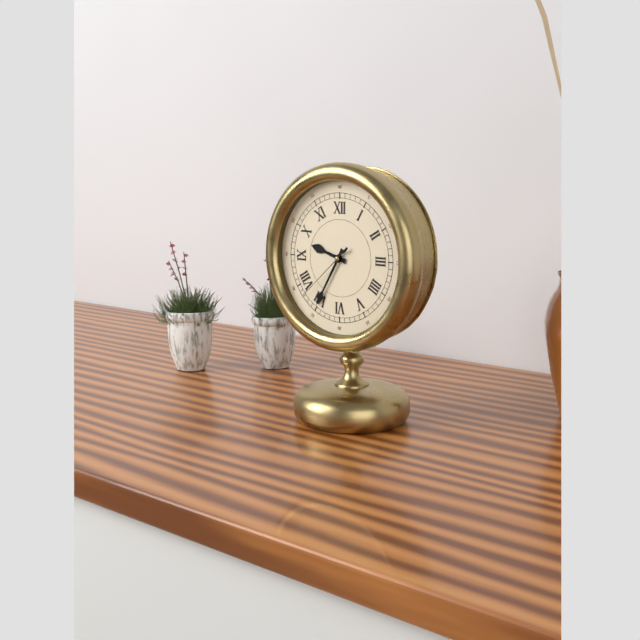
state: 9:35:38
